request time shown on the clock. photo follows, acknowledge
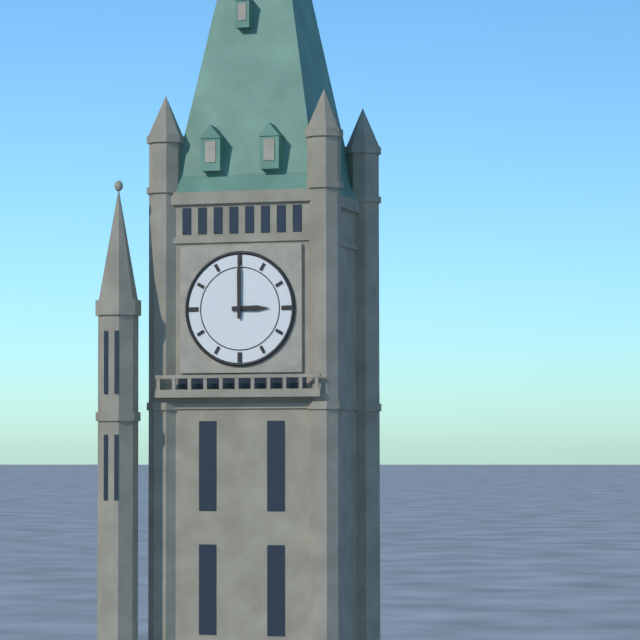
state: 3:00
